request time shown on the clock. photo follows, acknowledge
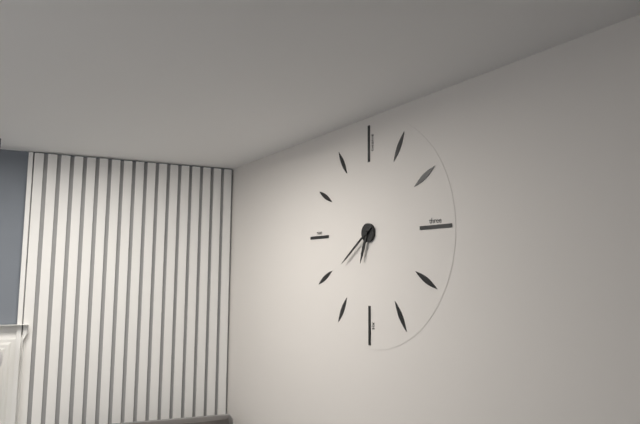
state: 6:39
